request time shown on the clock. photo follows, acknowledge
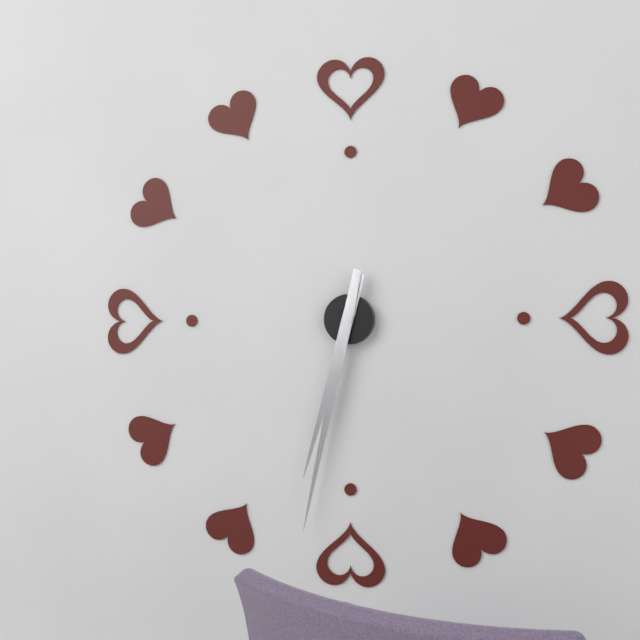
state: 6:32
